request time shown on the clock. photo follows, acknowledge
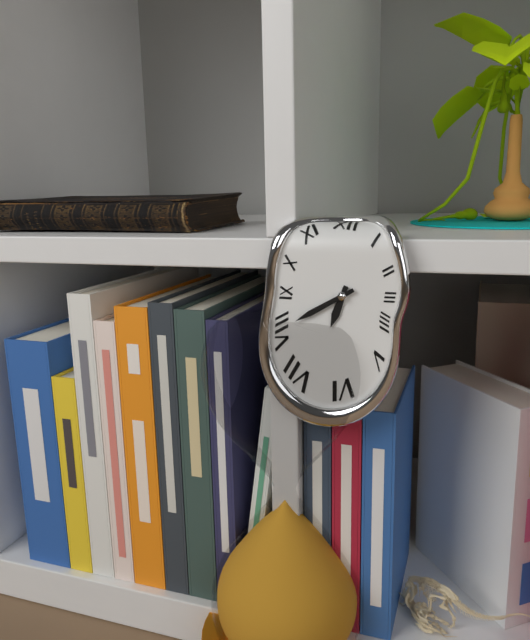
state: 6:40
